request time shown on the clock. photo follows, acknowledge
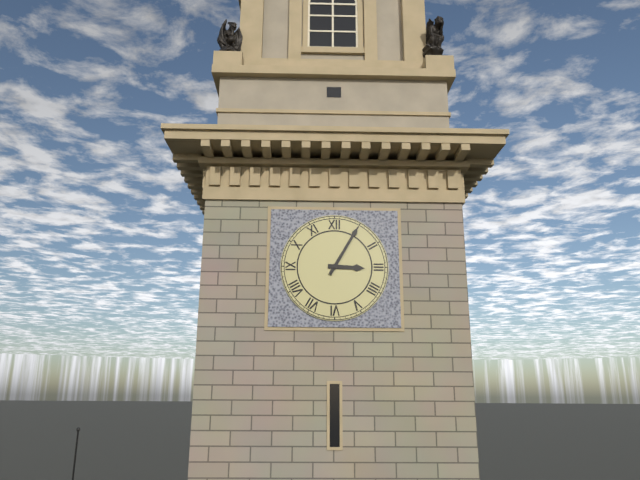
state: 3:05
